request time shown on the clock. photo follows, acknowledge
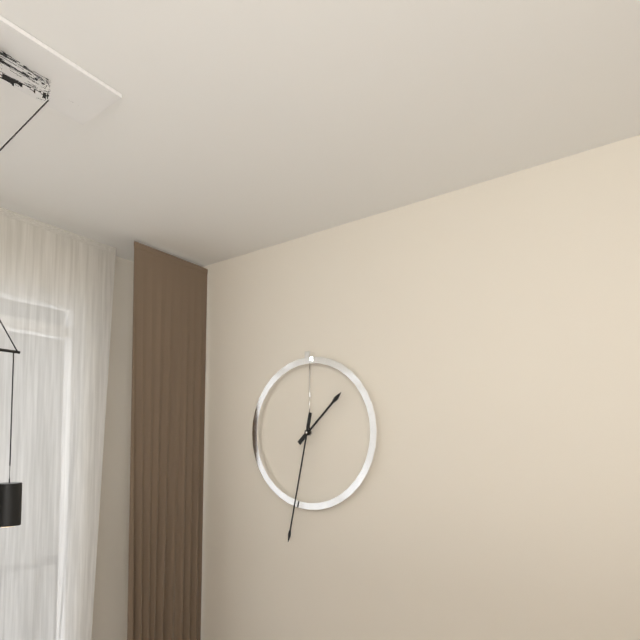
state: 1:32
